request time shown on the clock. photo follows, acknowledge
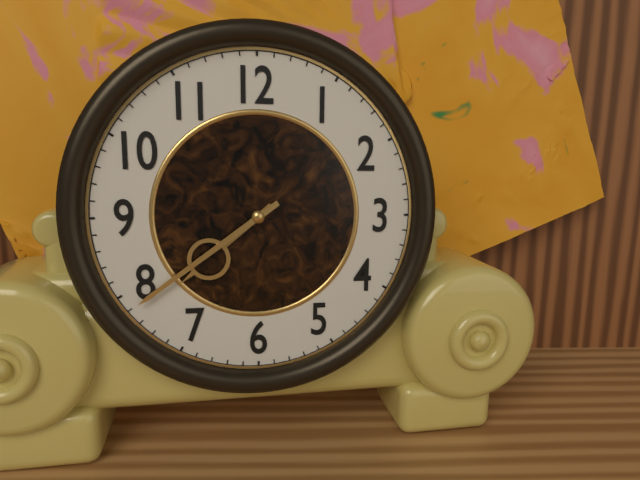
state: 7:39
